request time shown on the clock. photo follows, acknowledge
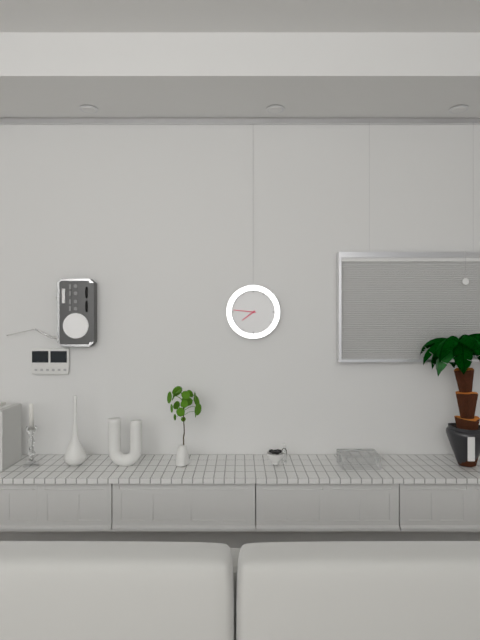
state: 7:46
